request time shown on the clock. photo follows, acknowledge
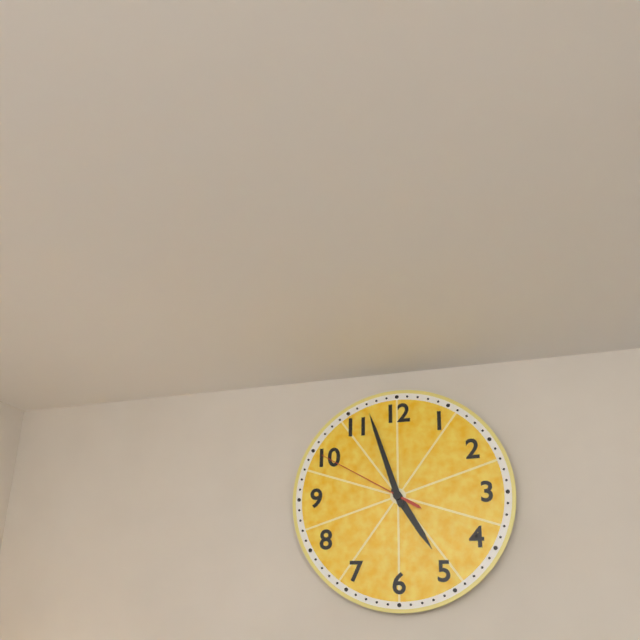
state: 4:57:50
